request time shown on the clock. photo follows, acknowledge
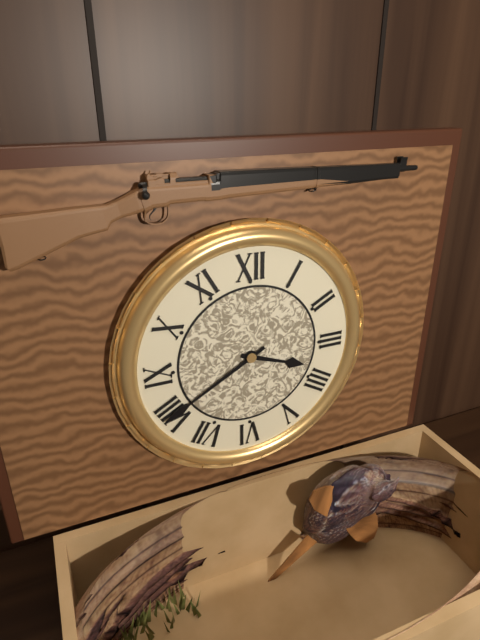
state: 3:40
